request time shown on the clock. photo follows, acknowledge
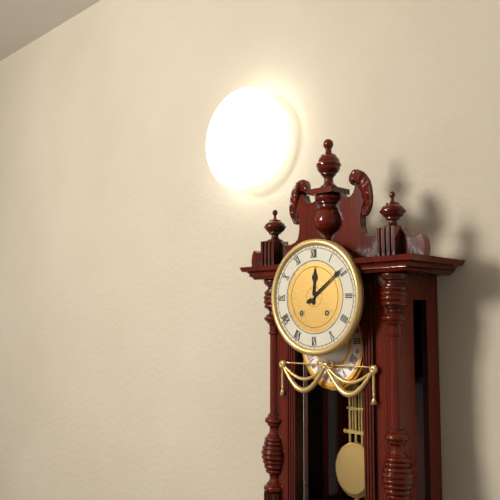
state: 12:09
